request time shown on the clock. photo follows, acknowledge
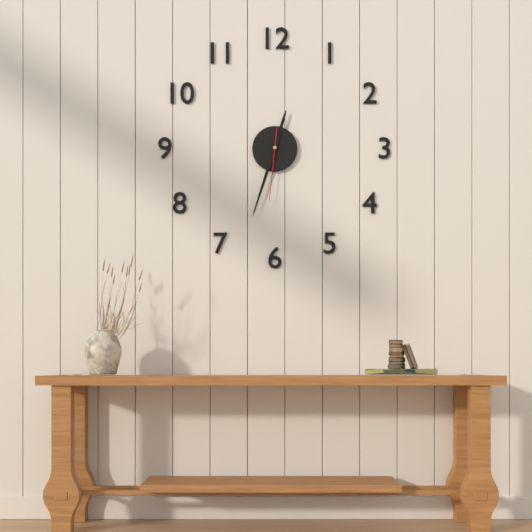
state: 12:33:31
